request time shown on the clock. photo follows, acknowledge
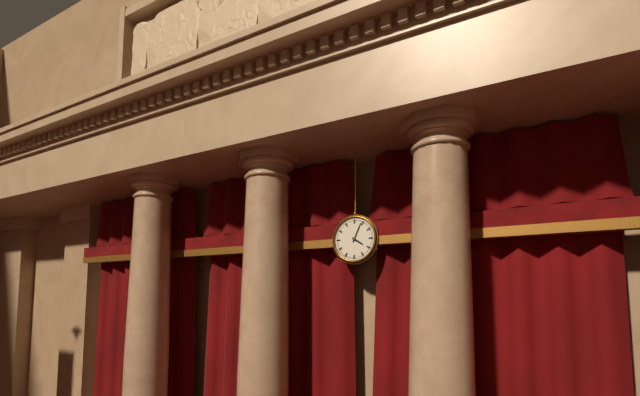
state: 4:04
